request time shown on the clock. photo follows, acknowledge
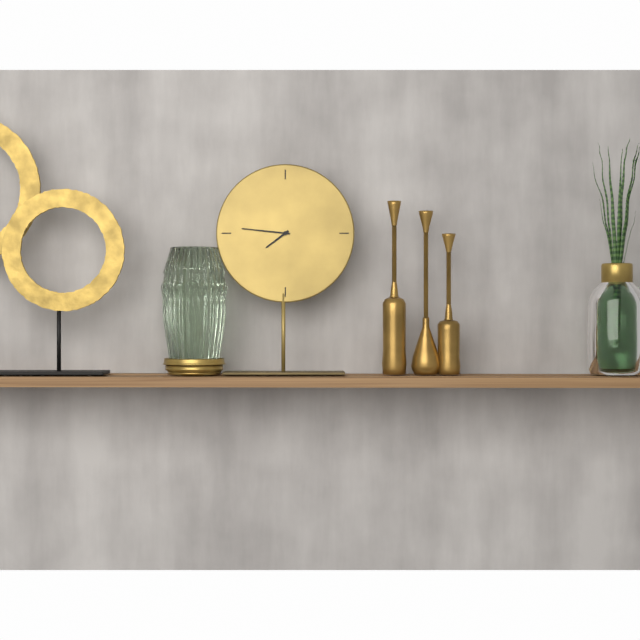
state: 7:46
